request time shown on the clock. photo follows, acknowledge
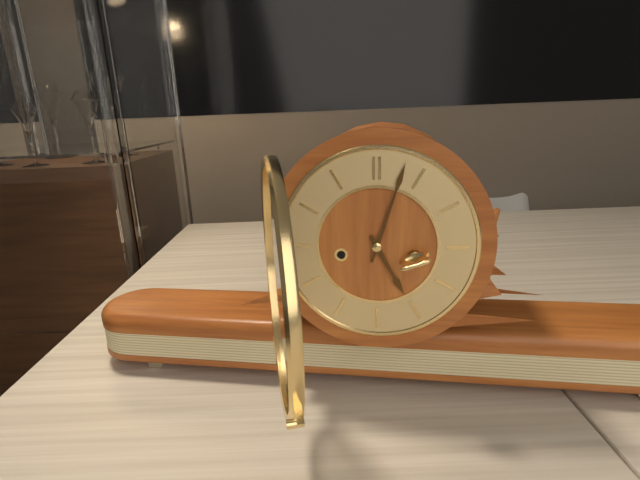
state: 5:03
